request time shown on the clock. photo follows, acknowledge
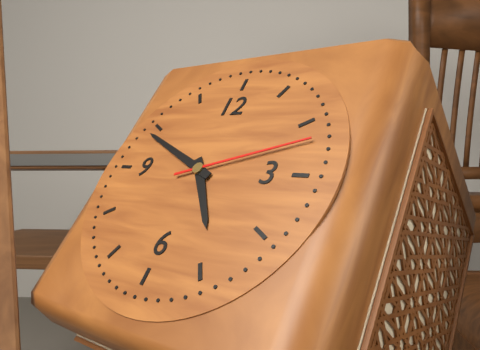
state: 4:49:12
